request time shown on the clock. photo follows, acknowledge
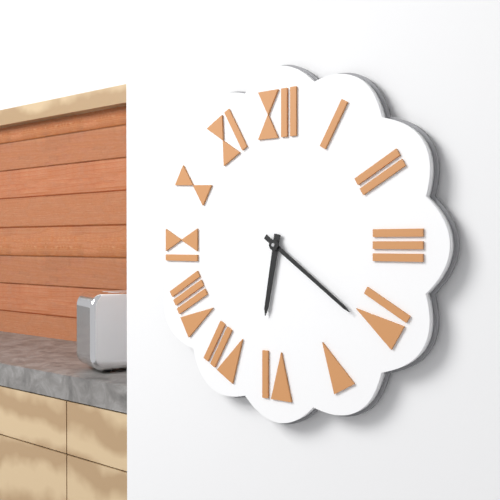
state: 6:21
